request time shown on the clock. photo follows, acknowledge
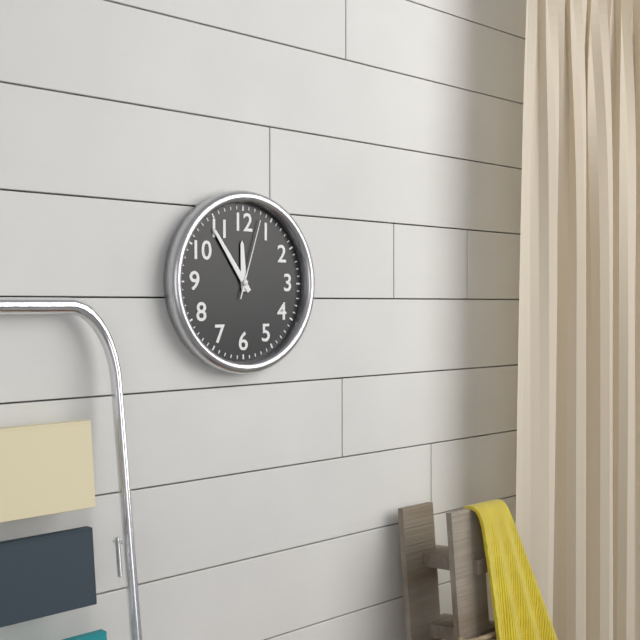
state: 11:54:03
